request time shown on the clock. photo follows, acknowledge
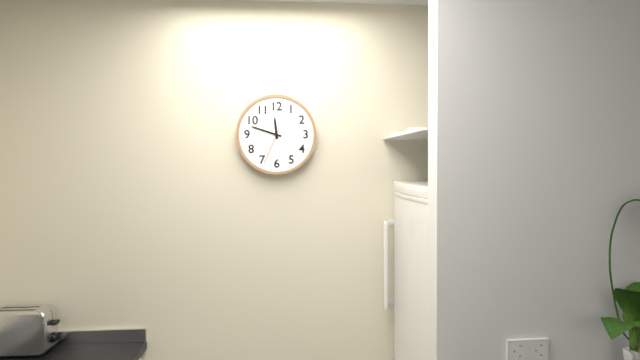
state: 11:48
